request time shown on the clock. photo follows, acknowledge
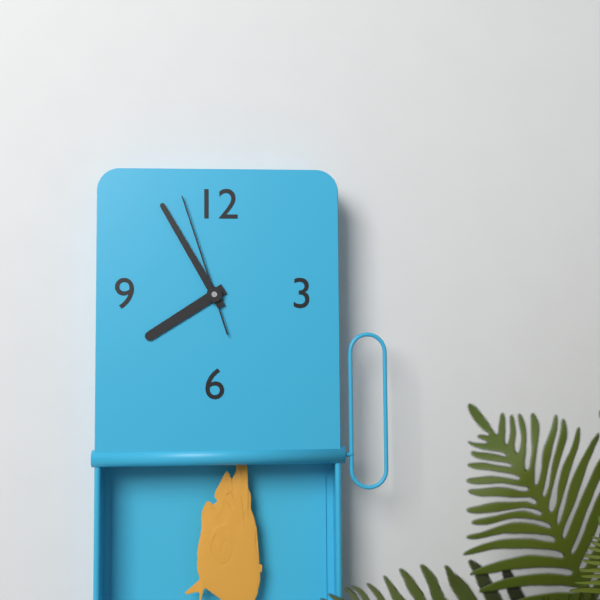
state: 7:55:57
